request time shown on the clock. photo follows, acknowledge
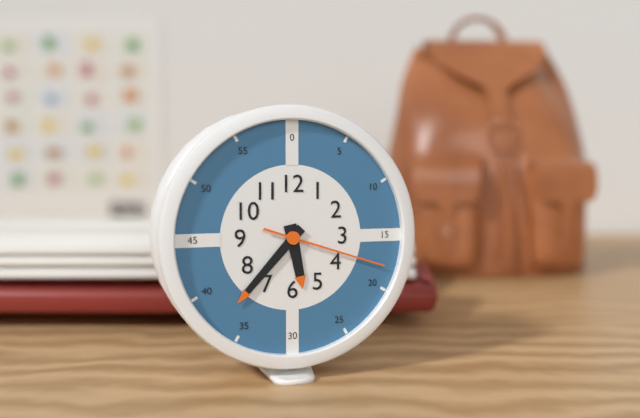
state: 5:37:18
